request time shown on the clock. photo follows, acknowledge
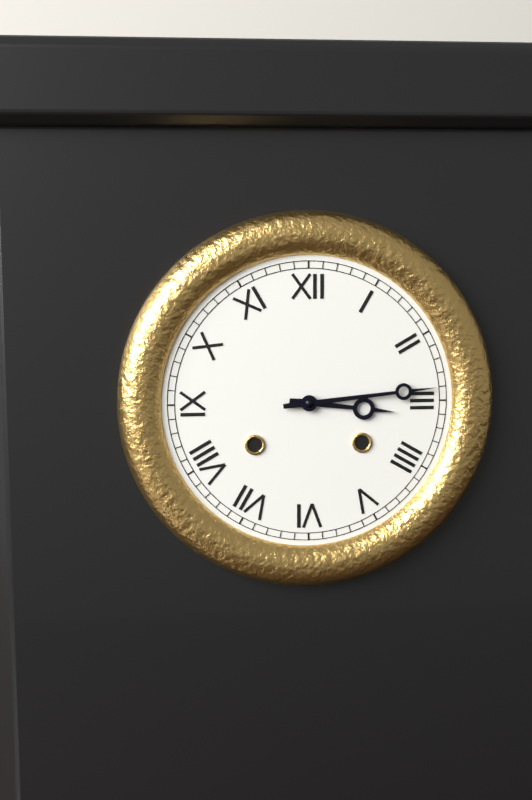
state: 3:14
